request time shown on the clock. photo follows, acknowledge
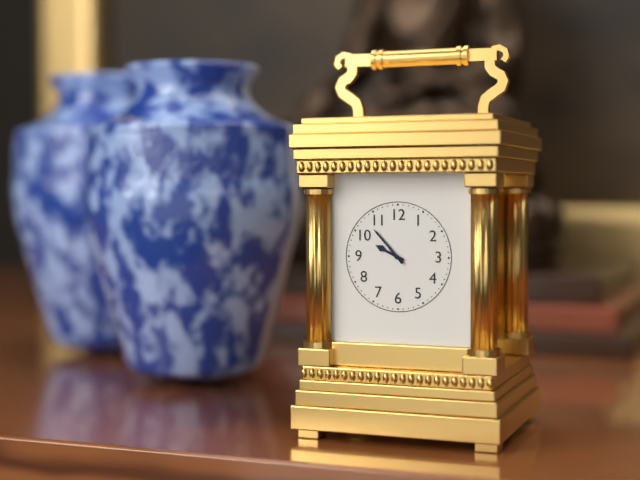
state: 9:53
